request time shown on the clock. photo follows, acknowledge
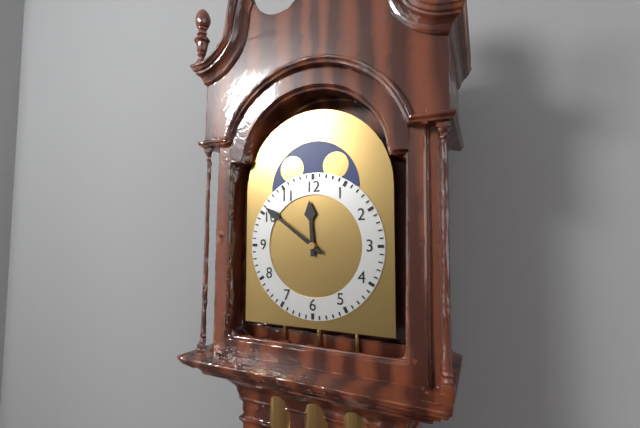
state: 11:51
